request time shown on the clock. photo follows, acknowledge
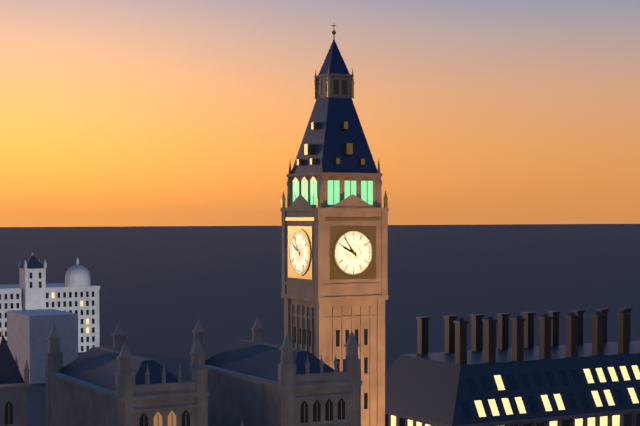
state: 9:54
